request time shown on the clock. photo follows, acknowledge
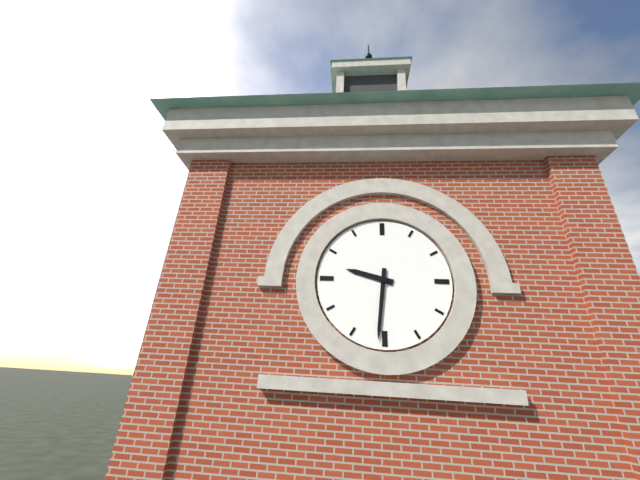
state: 9:31
